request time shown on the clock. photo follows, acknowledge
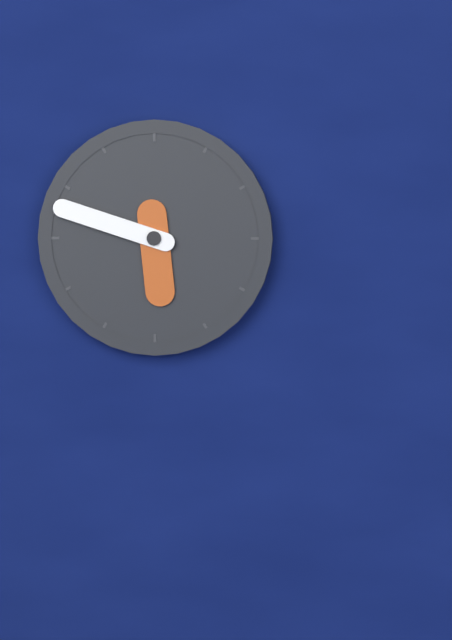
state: 5:48
